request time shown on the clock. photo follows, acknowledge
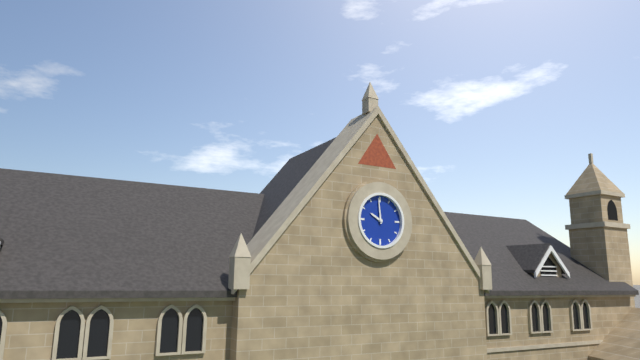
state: 9:59
